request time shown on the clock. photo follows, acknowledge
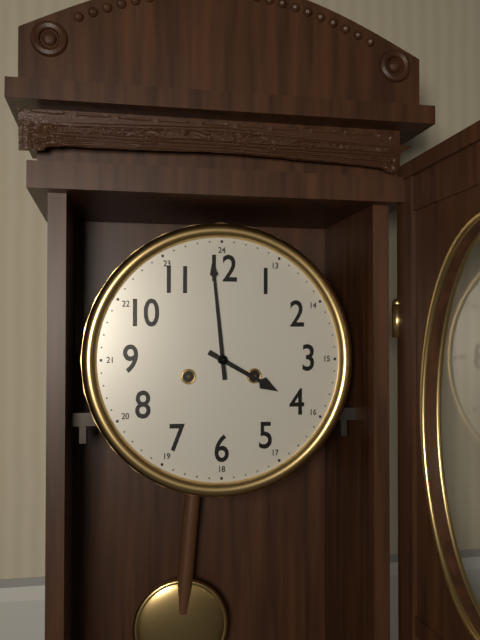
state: 3:59
